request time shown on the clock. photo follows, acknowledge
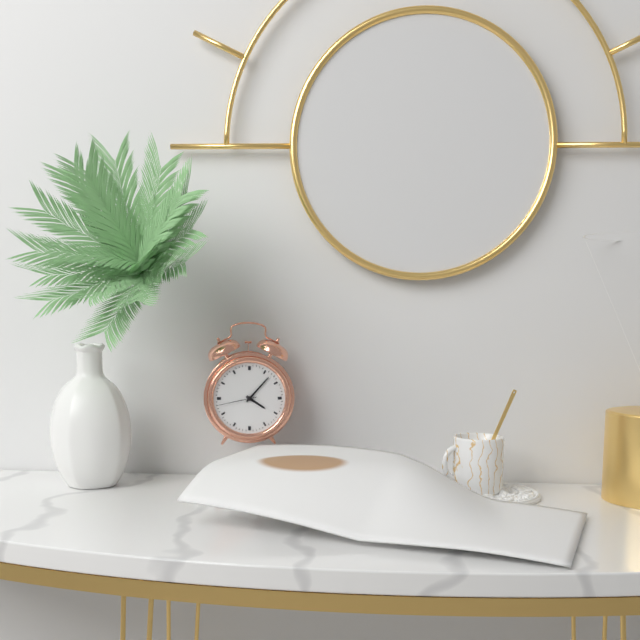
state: 4:07
